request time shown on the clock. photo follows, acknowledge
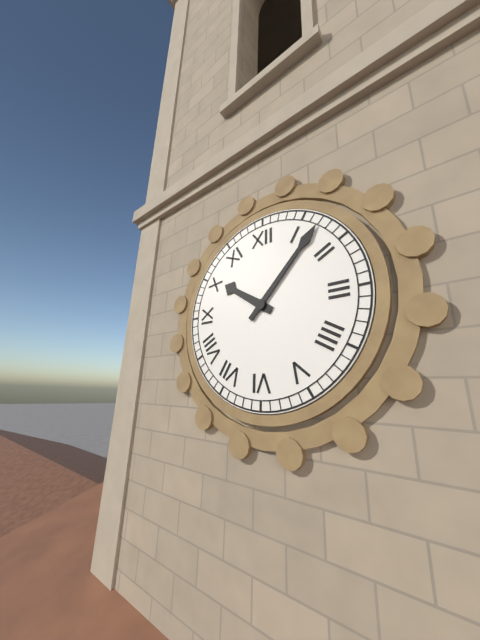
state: 10:07
